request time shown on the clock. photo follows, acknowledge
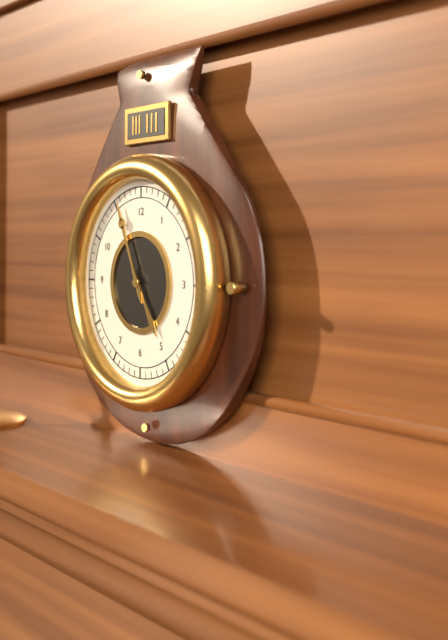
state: 4:56
